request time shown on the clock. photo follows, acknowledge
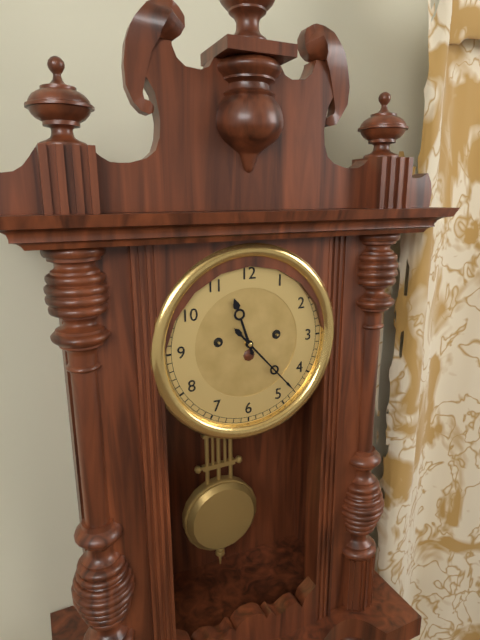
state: 11:23
